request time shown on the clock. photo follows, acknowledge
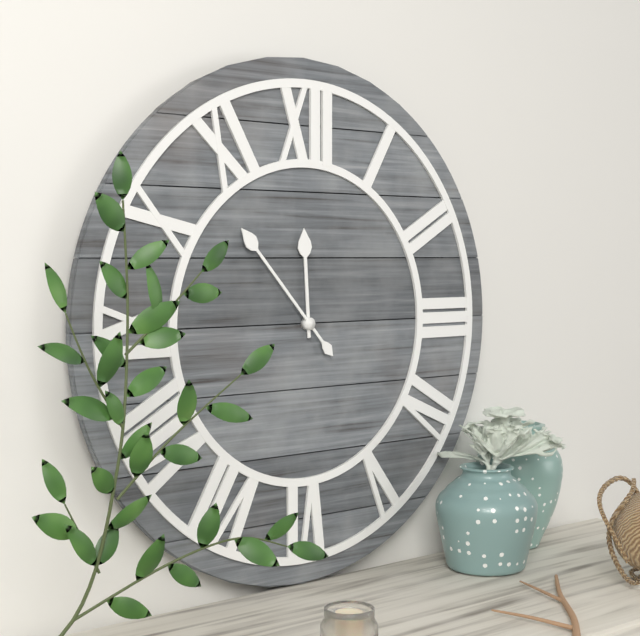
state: 11:53
